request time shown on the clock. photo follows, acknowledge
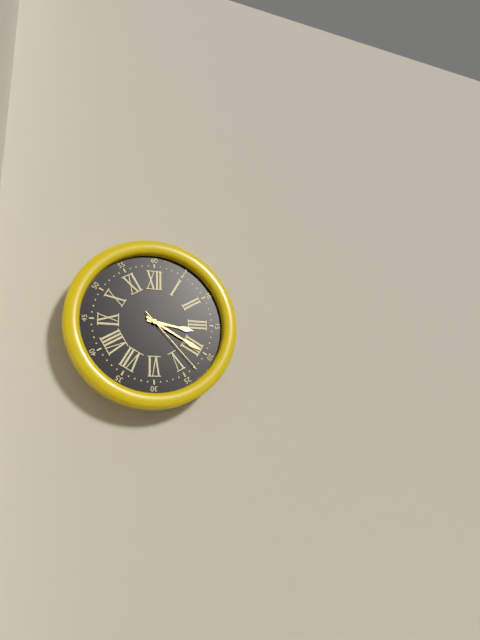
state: 3:20:23
